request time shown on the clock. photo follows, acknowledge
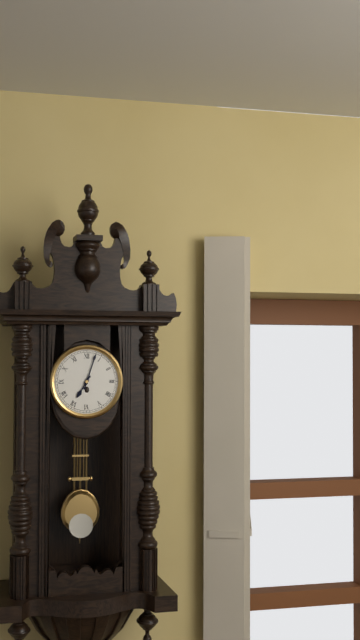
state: 7:03
